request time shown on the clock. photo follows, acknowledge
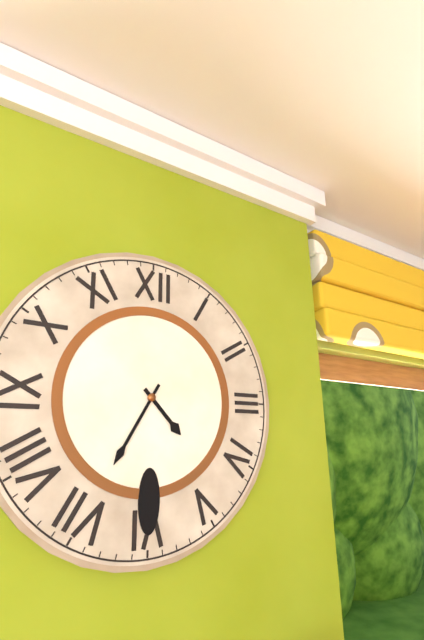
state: 4:35
